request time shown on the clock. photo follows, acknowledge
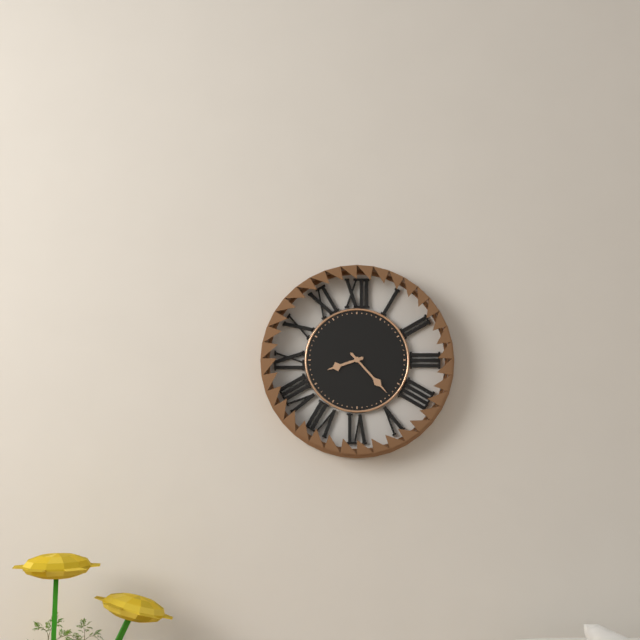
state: 8:23
